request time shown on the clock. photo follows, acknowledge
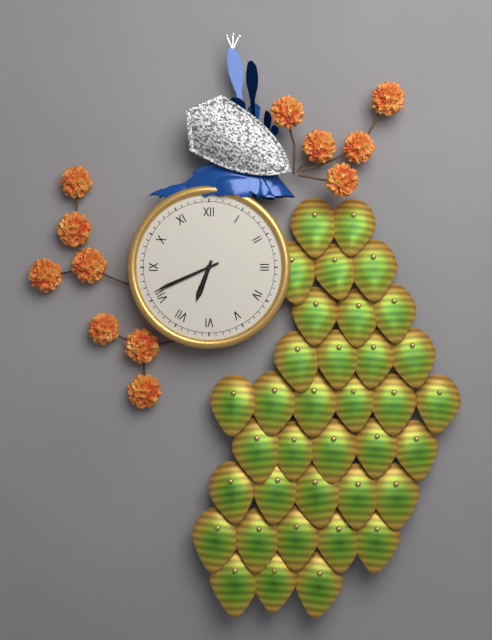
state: 6:41
